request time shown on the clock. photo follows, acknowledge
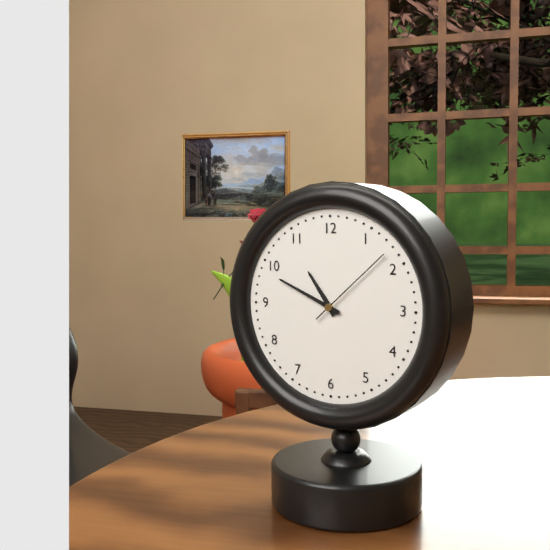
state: 10:49:08
